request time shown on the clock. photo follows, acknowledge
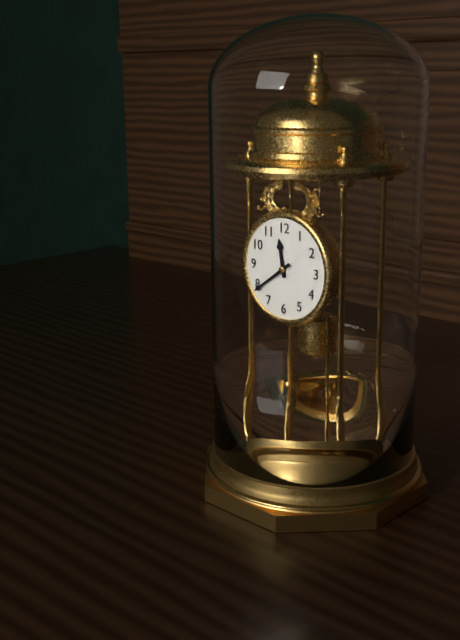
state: 11:39
